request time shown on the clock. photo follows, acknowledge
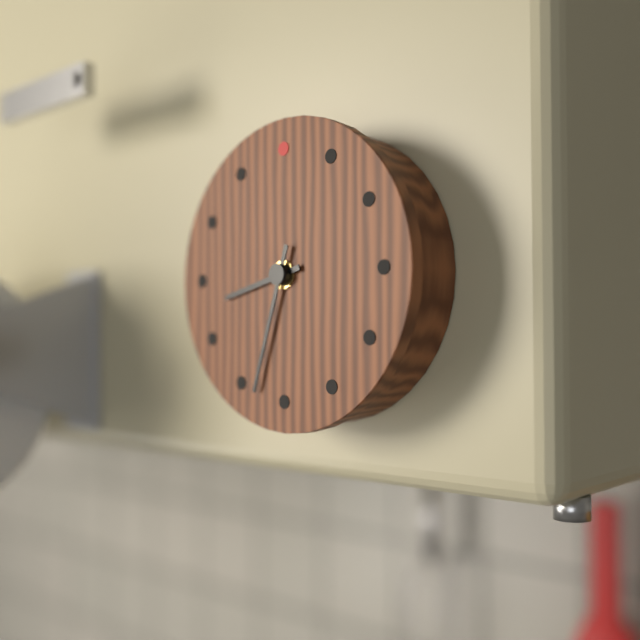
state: 8:33
